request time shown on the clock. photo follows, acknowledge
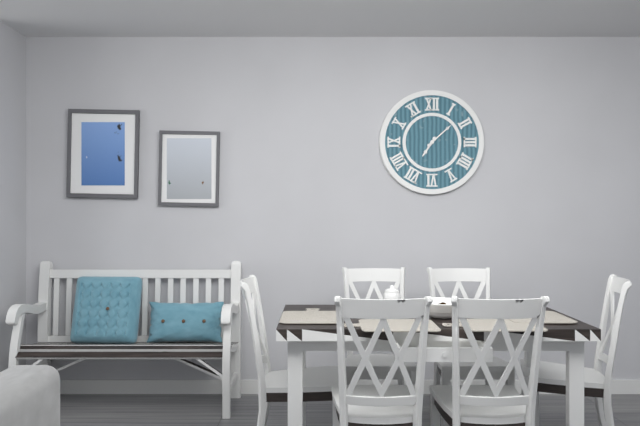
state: 7:08
